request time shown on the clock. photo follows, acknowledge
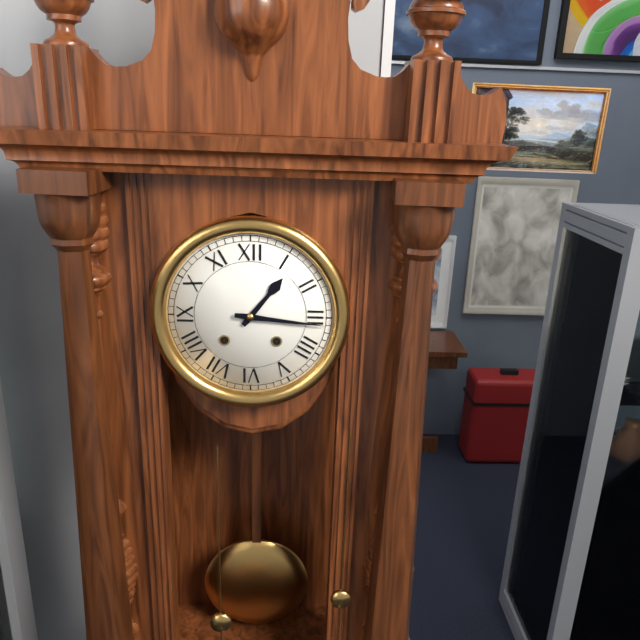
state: 1:16
